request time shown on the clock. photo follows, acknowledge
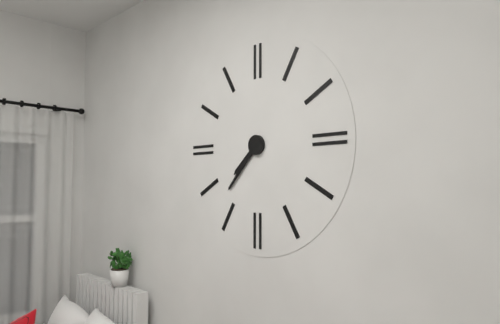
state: 7:37
